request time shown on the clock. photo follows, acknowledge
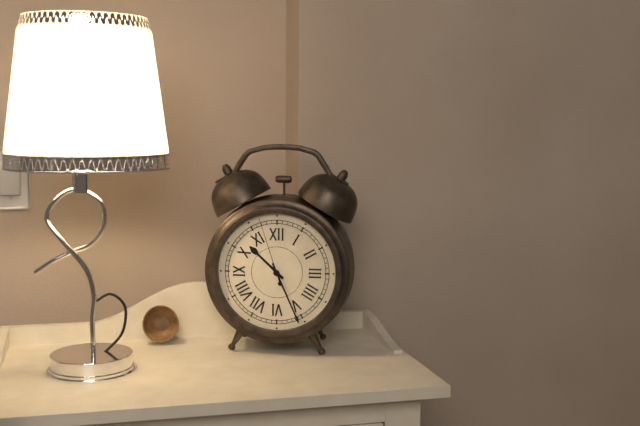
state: 10:26:57
